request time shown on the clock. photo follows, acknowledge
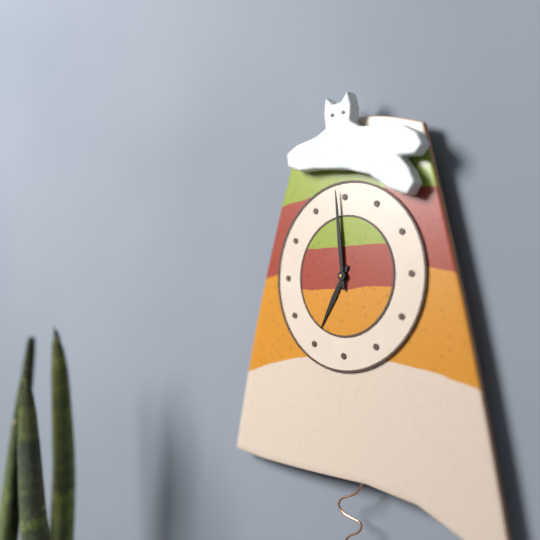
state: 6:59
